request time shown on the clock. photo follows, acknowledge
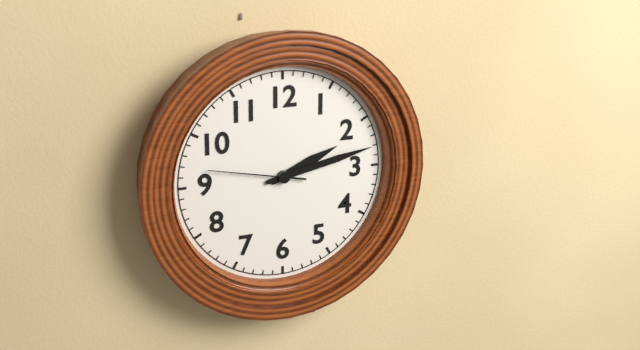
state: 2:13:47
